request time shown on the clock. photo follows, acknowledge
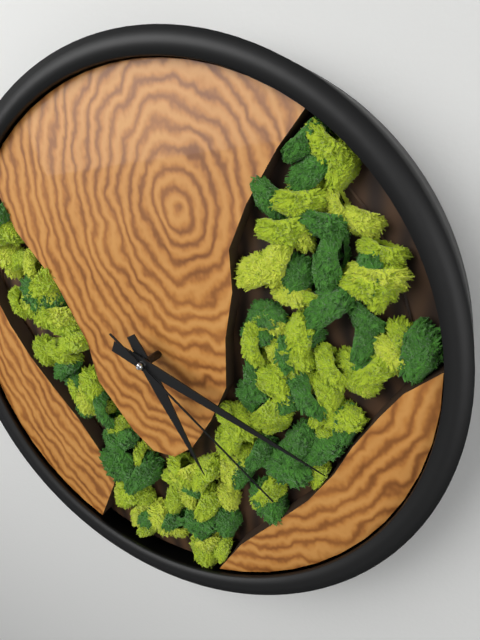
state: 5:20:23
